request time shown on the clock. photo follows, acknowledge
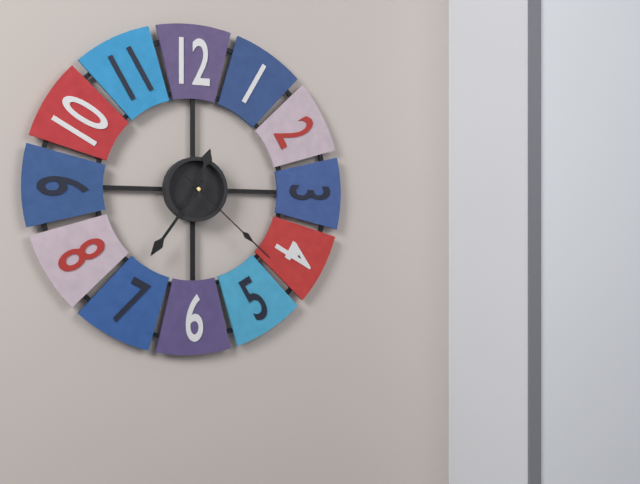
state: 12:36:22
